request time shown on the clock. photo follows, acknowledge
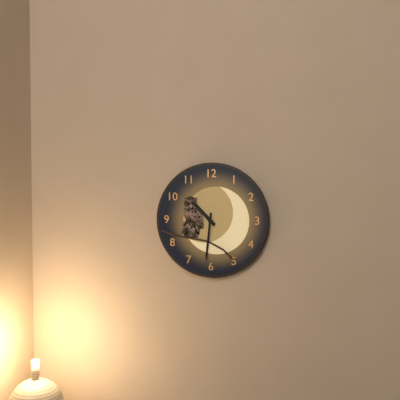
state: 10:31
